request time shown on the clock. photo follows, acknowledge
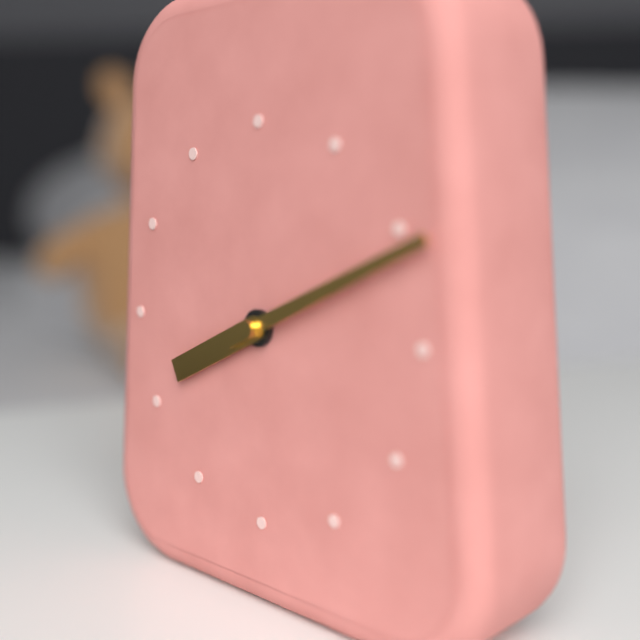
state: 8:11
